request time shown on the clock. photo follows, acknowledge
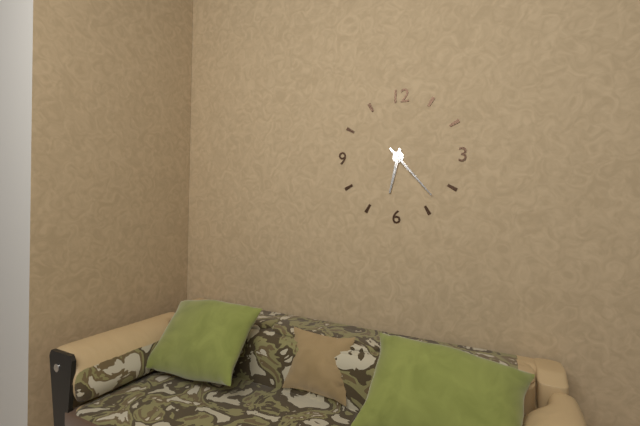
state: 6:23
